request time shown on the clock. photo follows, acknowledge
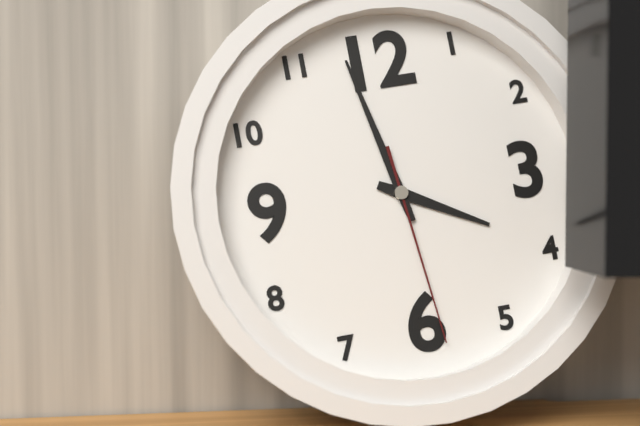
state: 3:58:29
